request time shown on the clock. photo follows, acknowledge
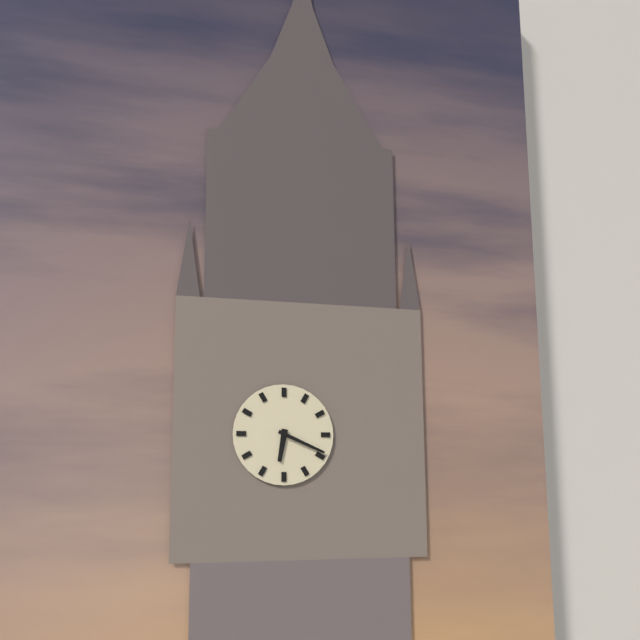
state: 6:19
